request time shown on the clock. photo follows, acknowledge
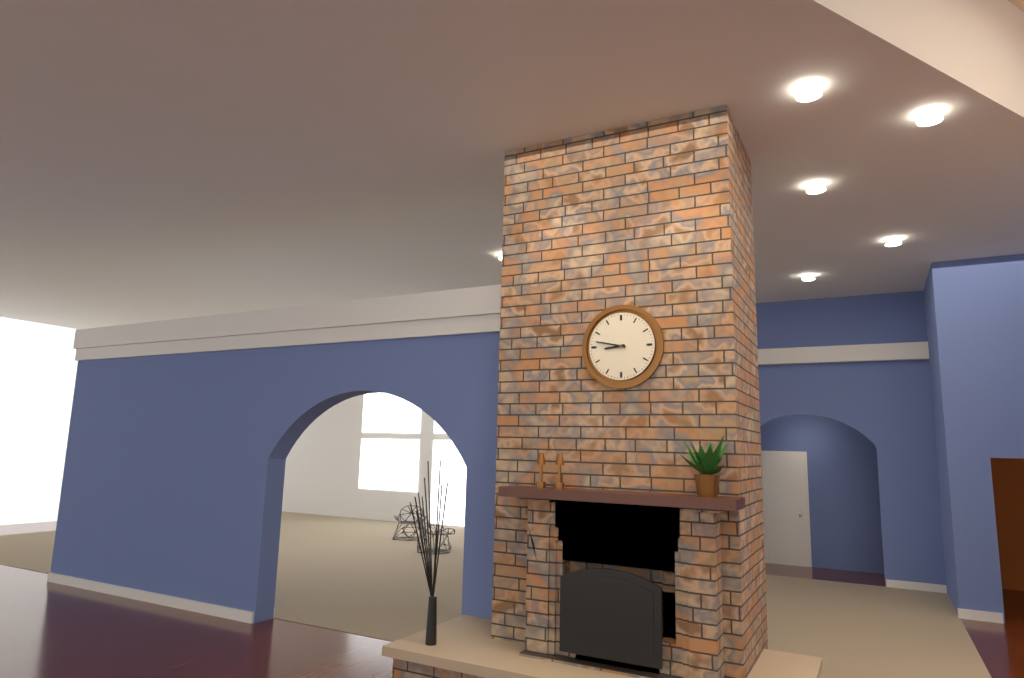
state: 8:47
